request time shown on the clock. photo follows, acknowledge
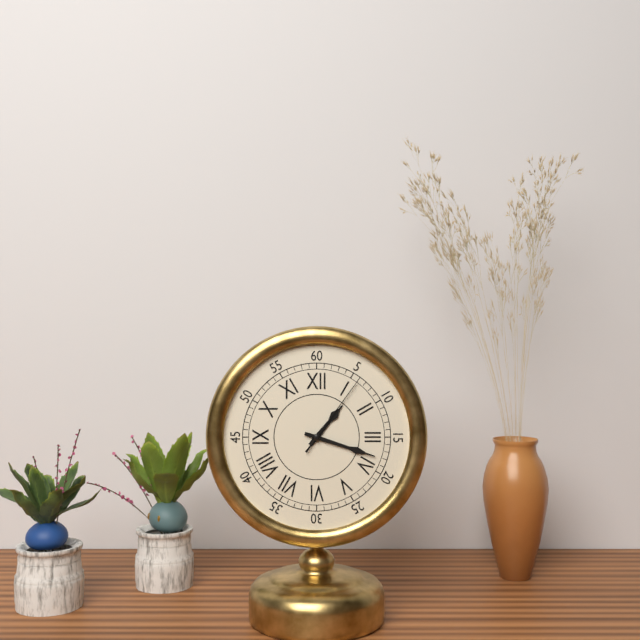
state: 1:18:06
